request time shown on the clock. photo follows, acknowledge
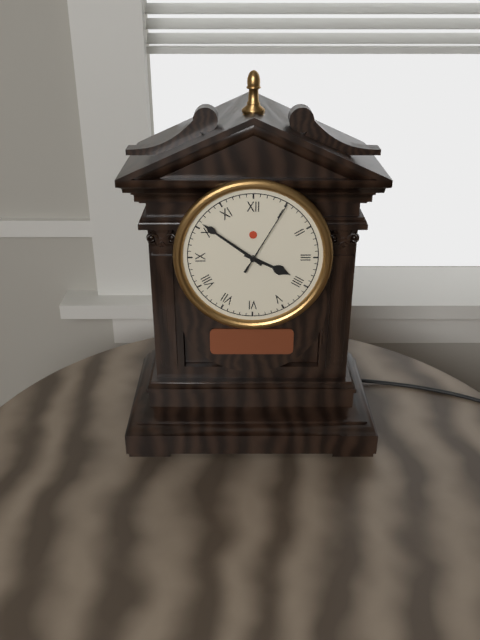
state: 3:51:05
